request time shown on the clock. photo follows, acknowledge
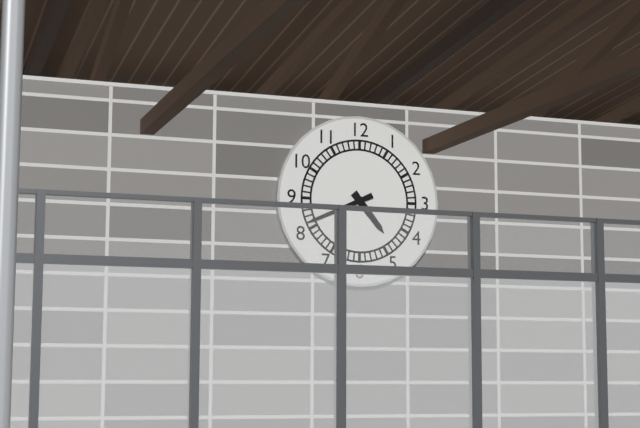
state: 4:41
